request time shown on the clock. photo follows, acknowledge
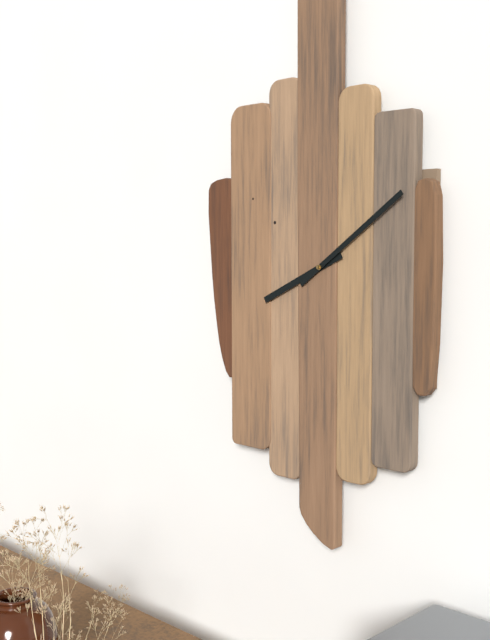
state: 8:09
